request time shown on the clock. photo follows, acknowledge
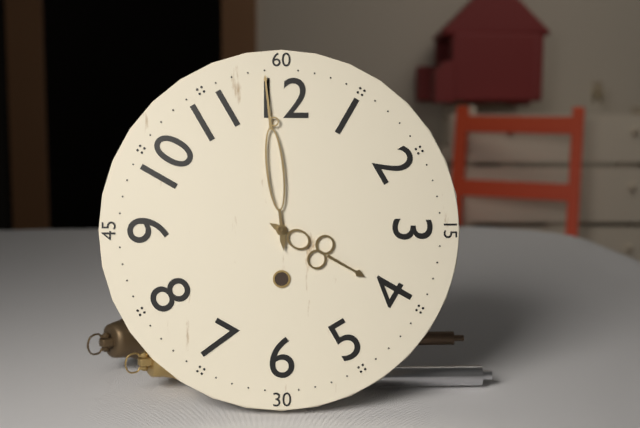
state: 3:59
